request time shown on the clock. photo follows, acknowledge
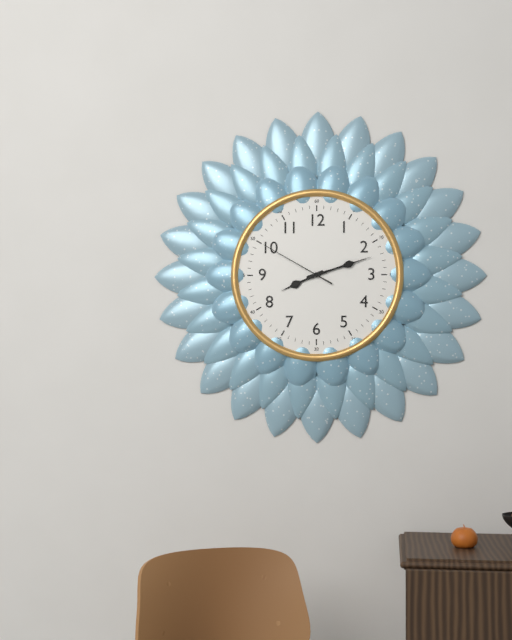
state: 8:12:50
